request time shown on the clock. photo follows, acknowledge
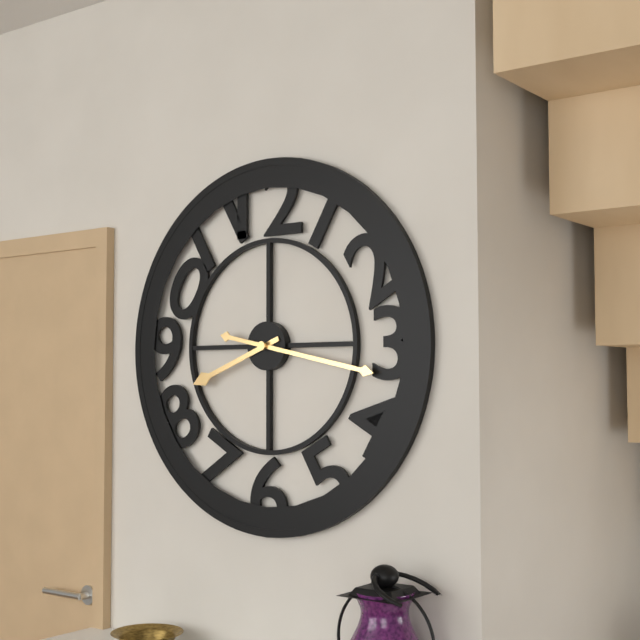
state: 8:17
